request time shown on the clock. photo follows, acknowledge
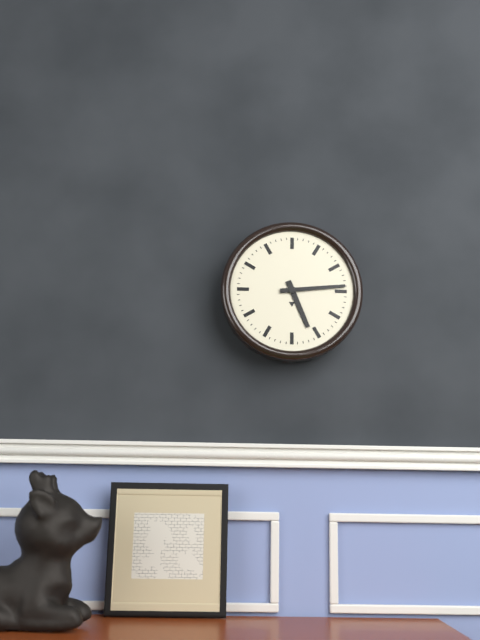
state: 5:14
